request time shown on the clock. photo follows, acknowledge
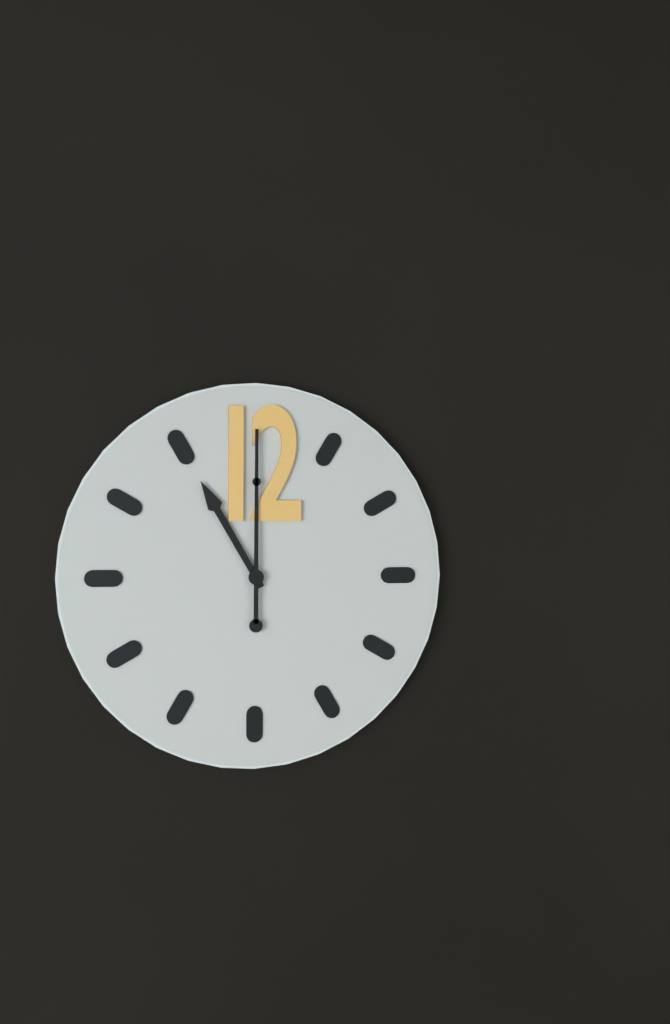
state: 11:00
